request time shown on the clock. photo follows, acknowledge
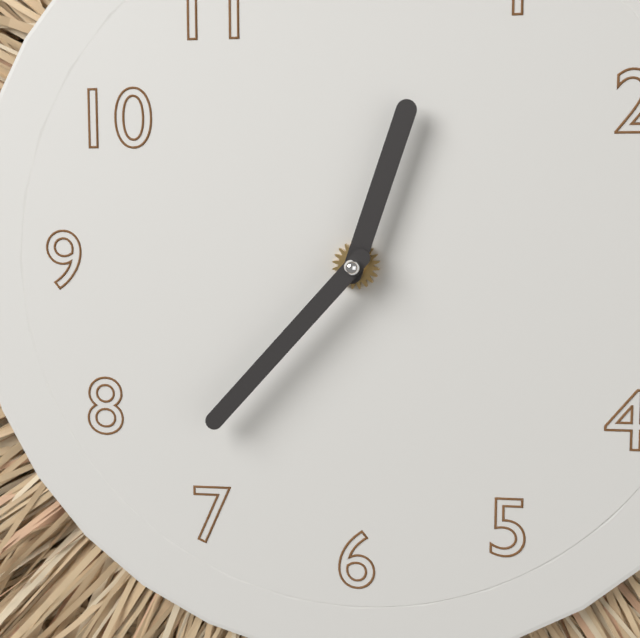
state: 12:37
